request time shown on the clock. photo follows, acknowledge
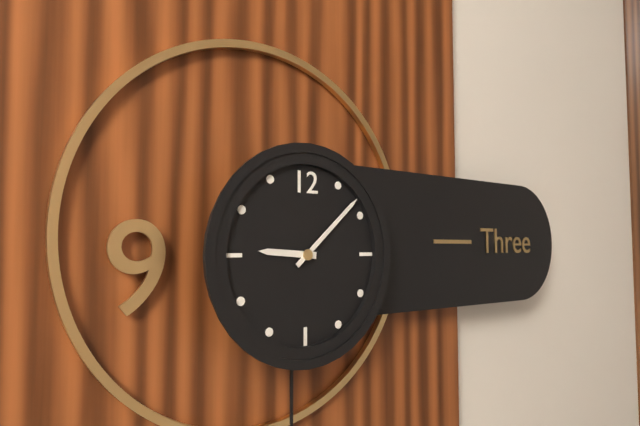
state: 9:08
